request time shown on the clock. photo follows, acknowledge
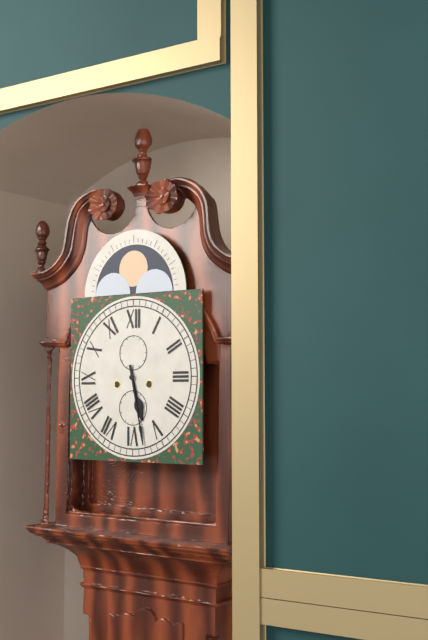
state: 5:28
